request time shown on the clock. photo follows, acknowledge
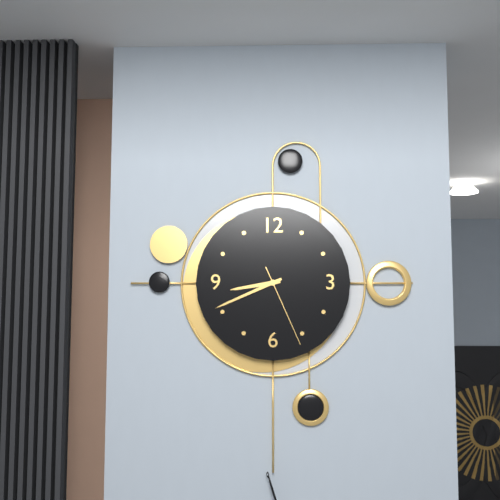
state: 8:41:26
